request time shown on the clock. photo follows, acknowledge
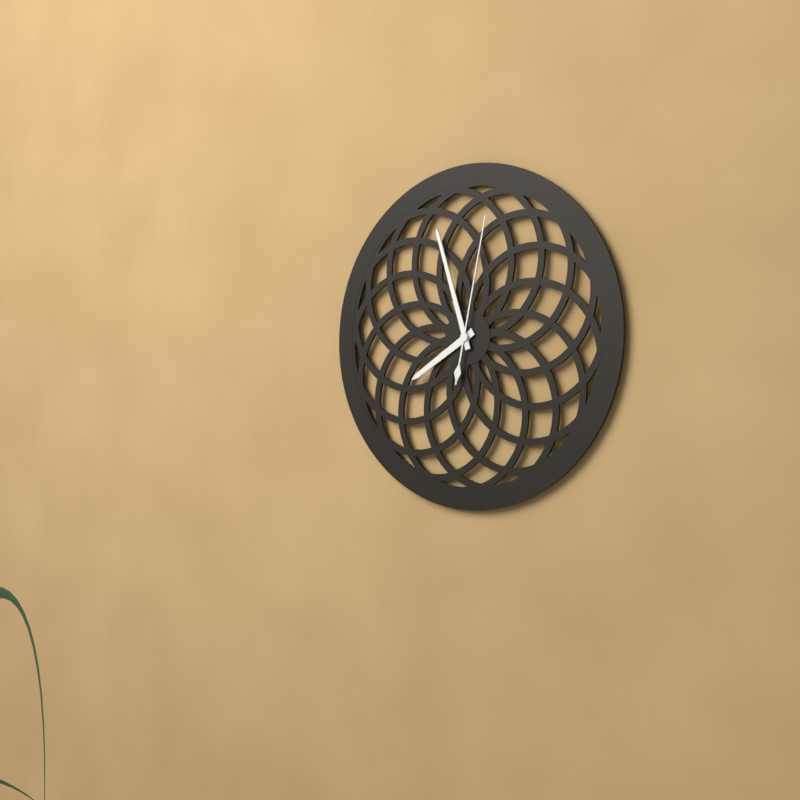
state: 7:57:02
